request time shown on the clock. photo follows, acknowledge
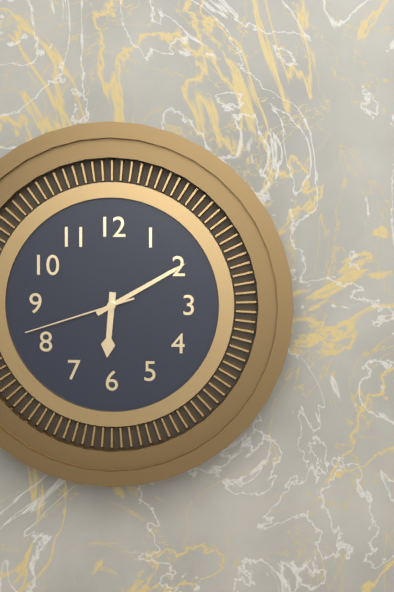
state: 6:10:42
